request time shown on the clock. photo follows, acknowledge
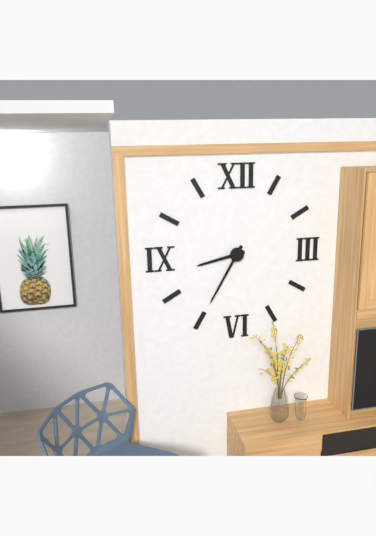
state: 8:35
